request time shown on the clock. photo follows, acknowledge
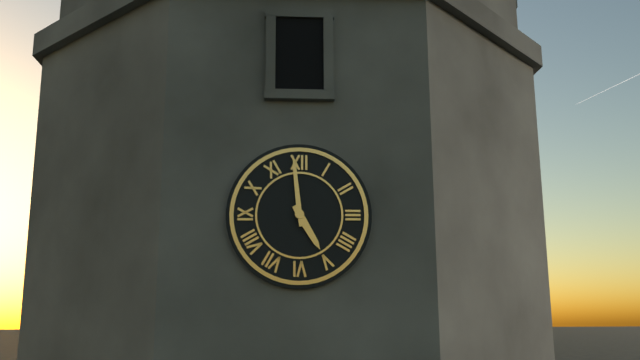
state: 4:59
